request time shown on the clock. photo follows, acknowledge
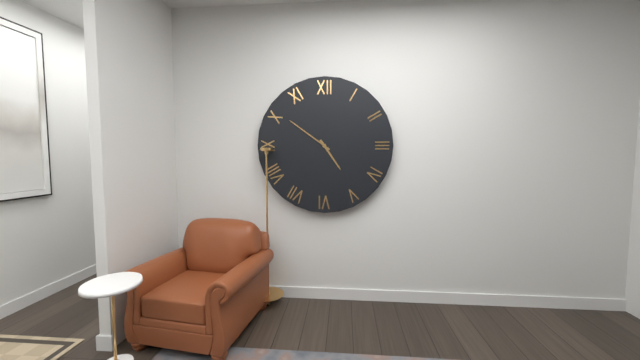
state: 4:51
